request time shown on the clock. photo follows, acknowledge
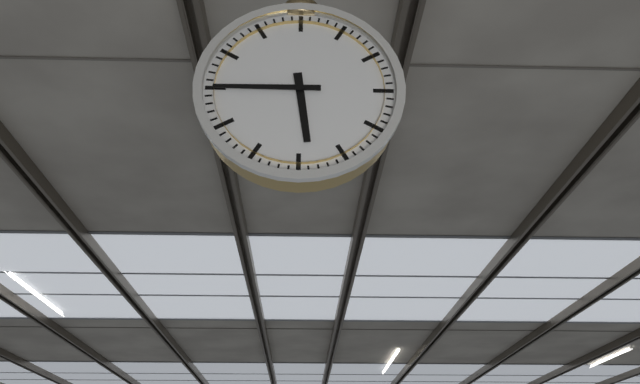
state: 5:45
